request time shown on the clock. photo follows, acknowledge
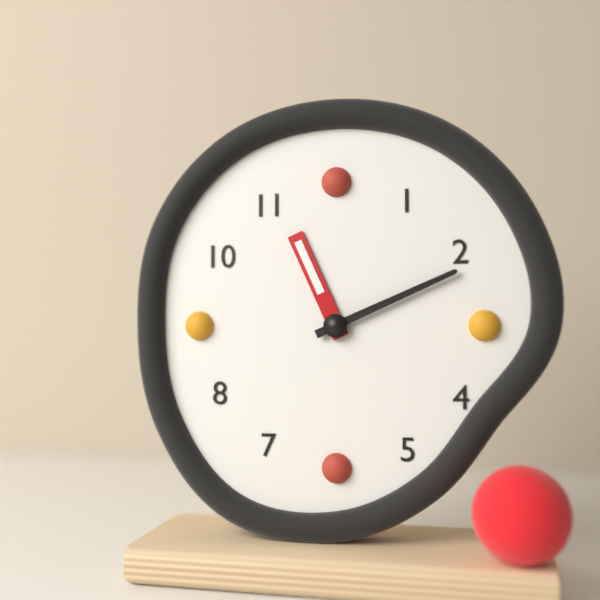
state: 11:11
